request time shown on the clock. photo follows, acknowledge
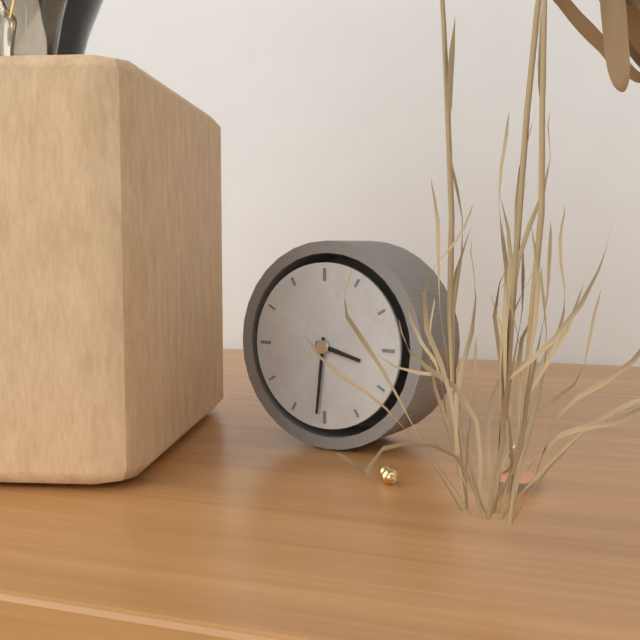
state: 3:31
